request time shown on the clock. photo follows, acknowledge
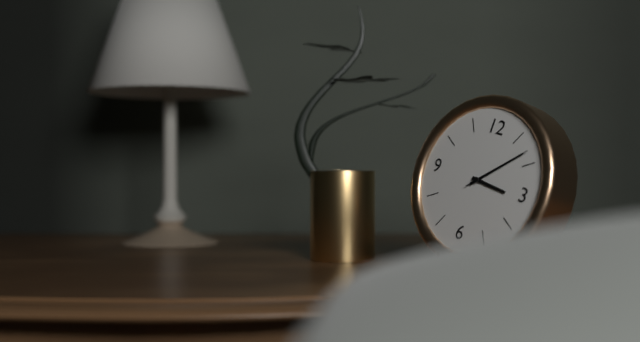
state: 3:08:08
